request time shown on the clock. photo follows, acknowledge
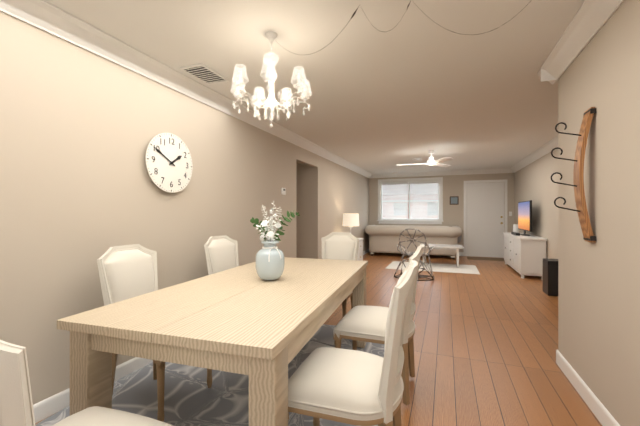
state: 1:50
